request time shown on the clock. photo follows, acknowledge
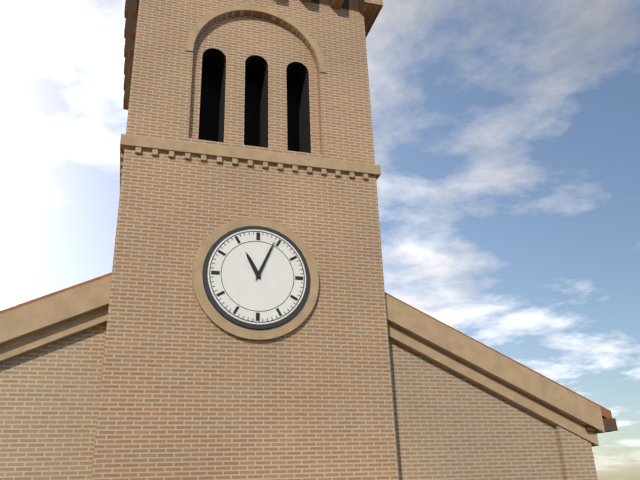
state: 11:04
